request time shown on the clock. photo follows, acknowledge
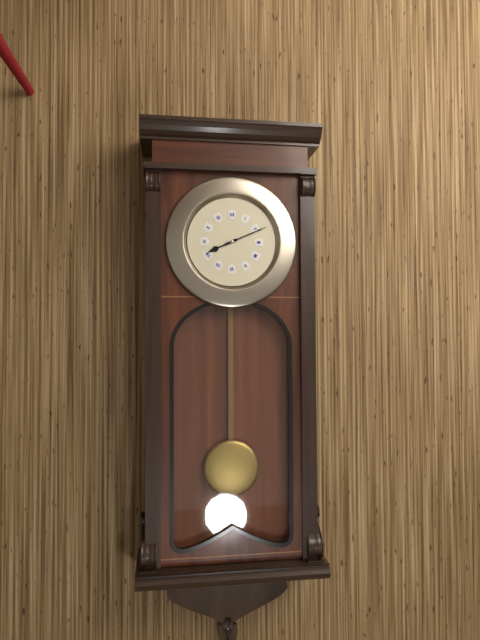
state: 8:11
